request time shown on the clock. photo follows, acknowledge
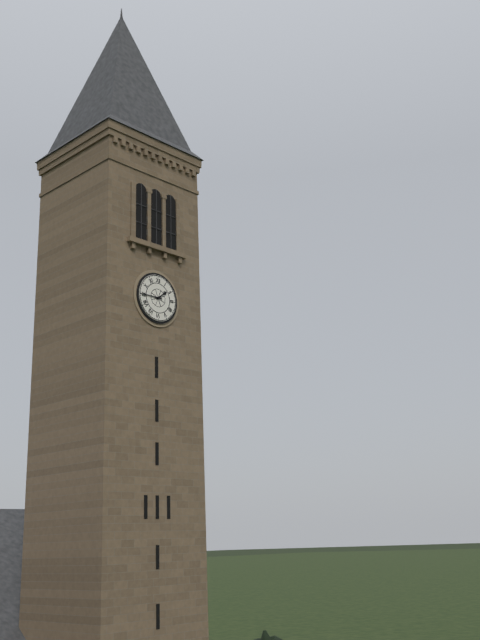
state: 1:45
